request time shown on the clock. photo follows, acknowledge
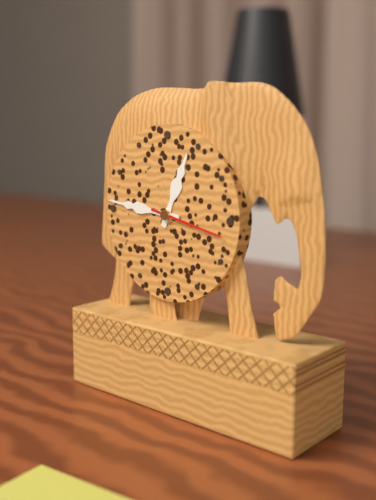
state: 12:46:17
